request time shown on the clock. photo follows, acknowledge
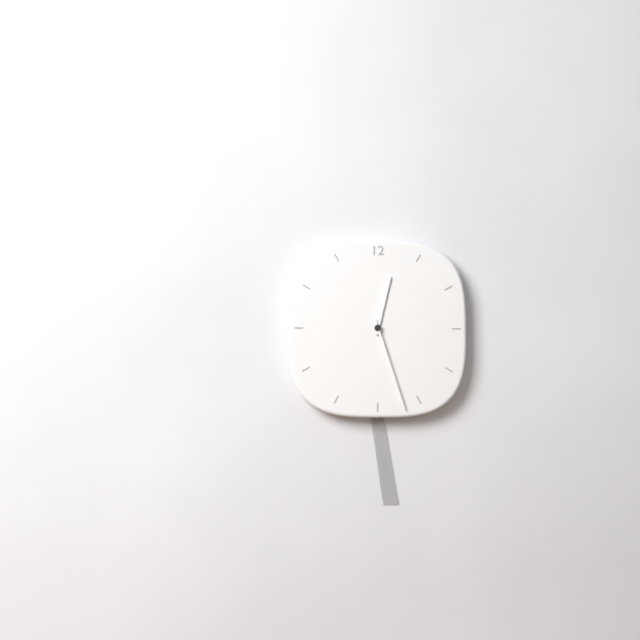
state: 12:27
